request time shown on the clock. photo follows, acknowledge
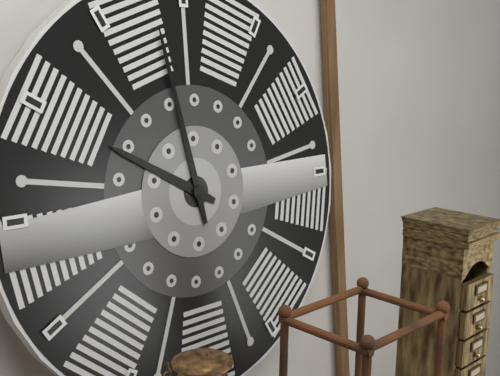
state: 9:58
